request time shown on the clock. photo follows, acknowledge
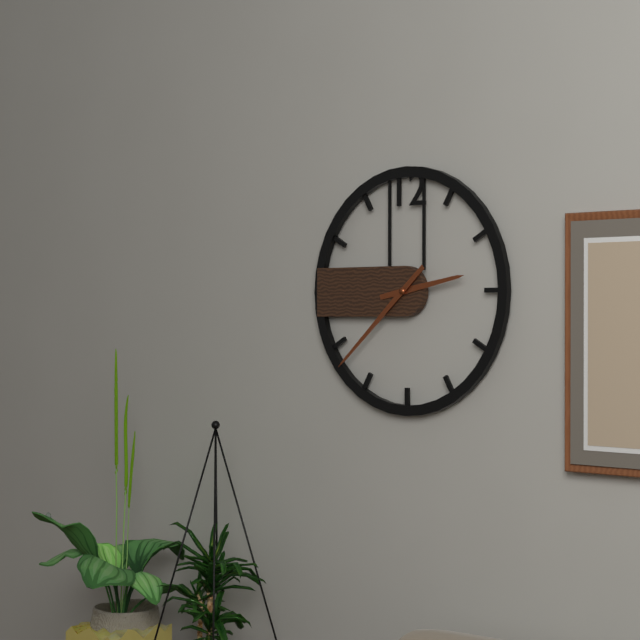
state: 2:38
